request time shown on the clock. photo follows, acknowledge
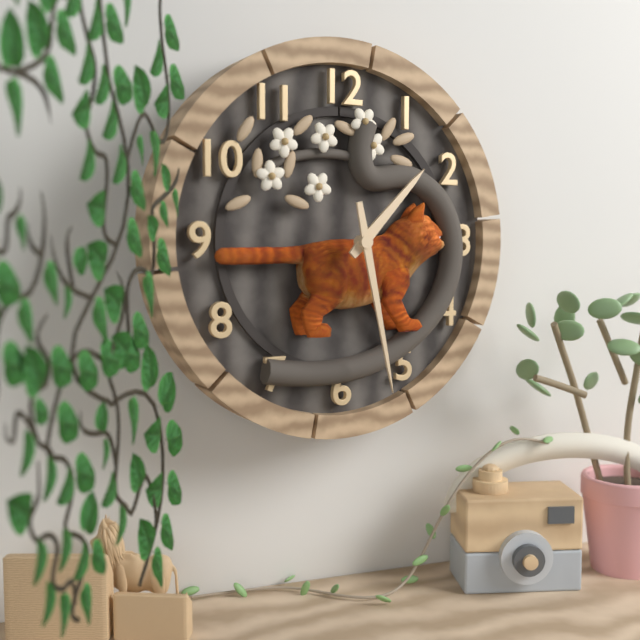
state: 1:28
